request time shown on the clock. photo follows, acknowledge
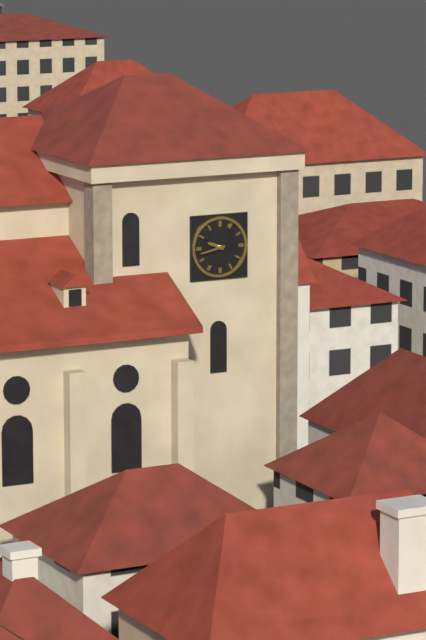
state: 9:43
